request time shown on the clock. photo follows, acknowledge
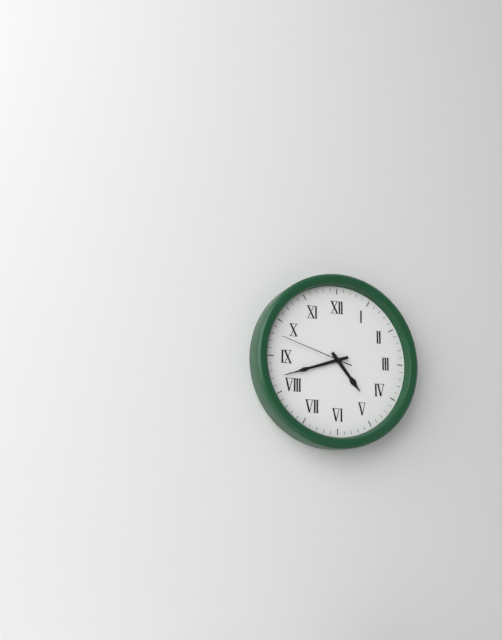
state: 4:42:48
